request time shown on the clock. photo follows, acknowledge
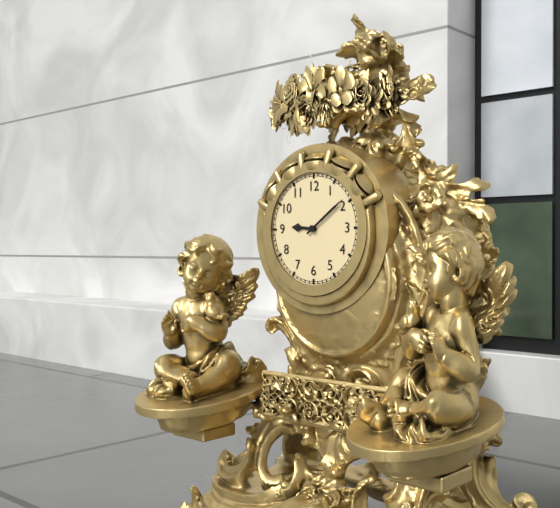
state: 9:09
